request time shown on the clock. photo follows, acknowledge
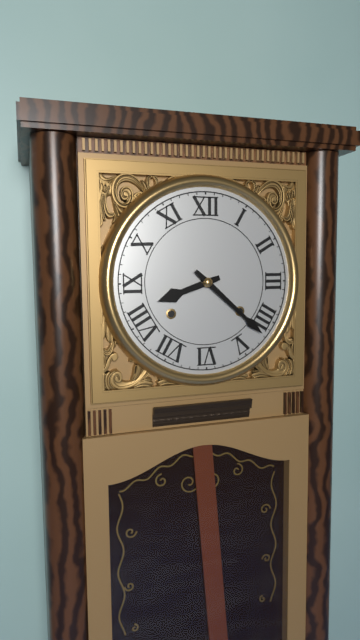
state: 8:22
